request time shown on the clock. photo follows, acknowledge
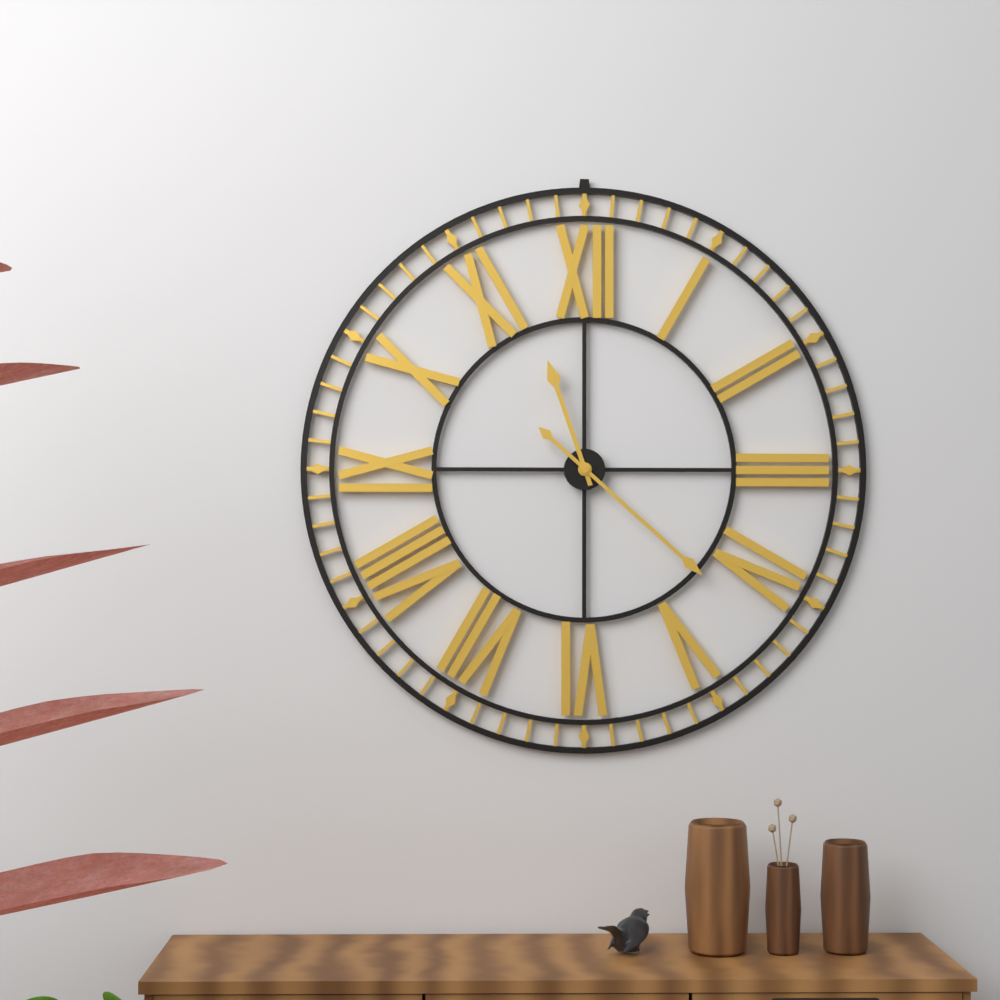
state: 11:22
